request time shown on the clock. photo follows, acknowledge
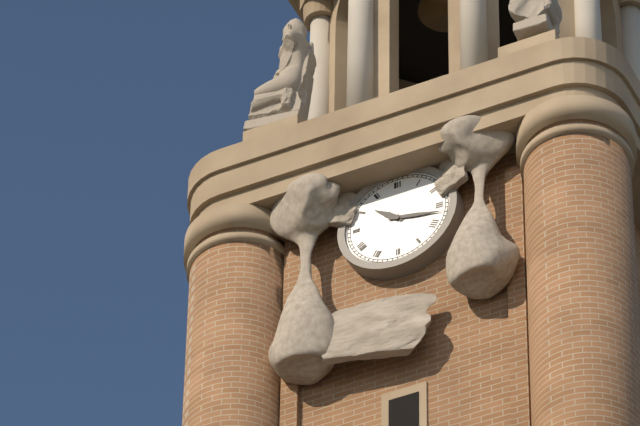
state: 10:17
